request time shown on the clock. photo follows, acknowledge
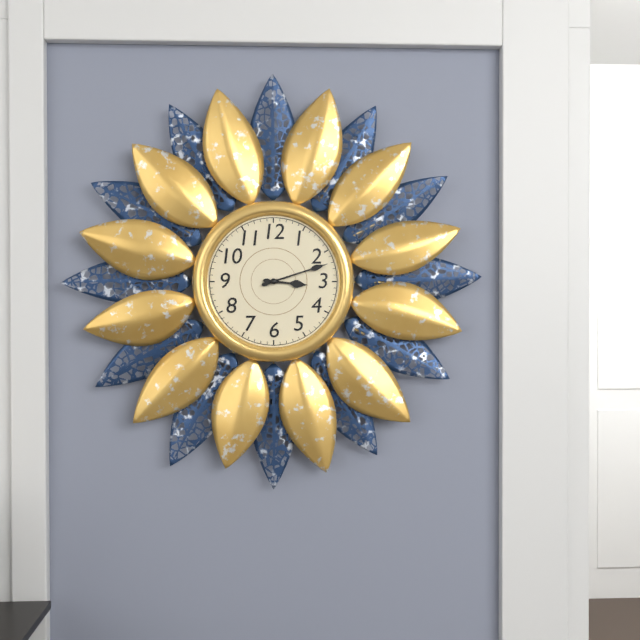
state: 3:12
